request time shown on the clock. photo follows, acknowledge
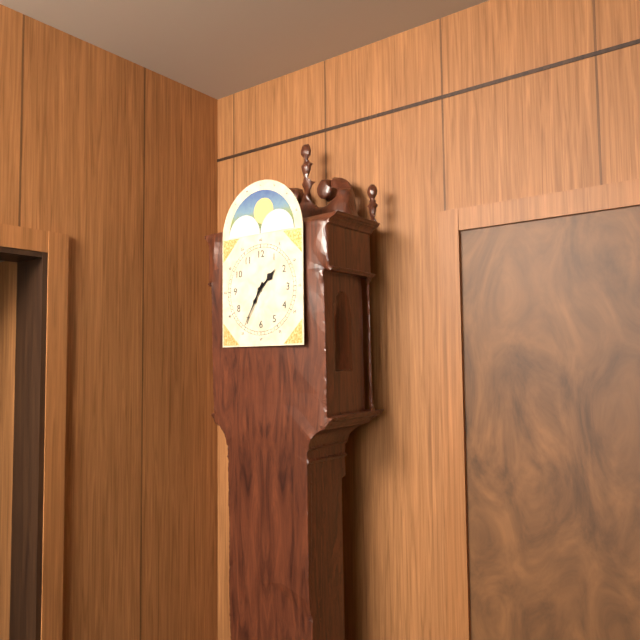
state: 1:35
